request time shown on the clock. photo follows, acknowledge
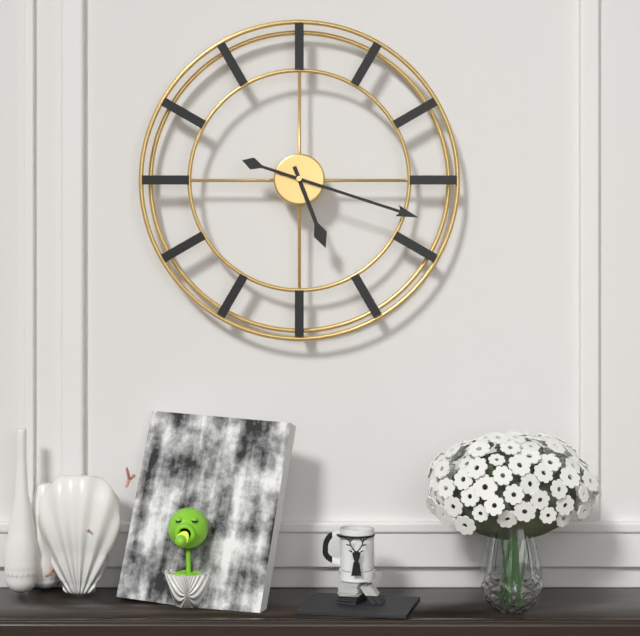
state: 5:18
